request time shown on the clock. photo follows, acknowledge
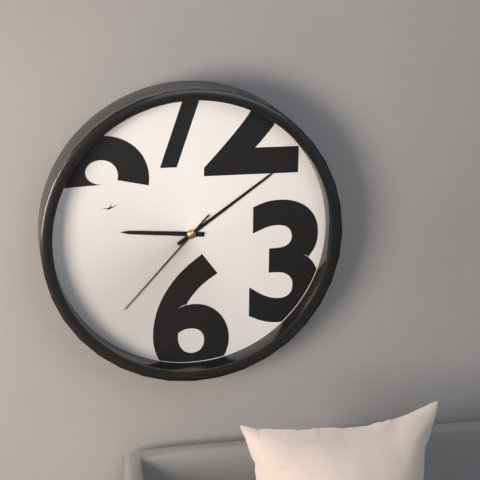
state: 9:09:37
